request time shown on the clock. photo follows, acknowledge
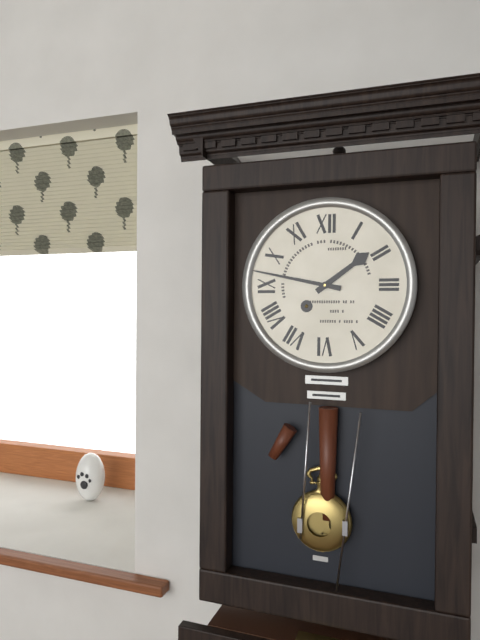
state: 1:47
